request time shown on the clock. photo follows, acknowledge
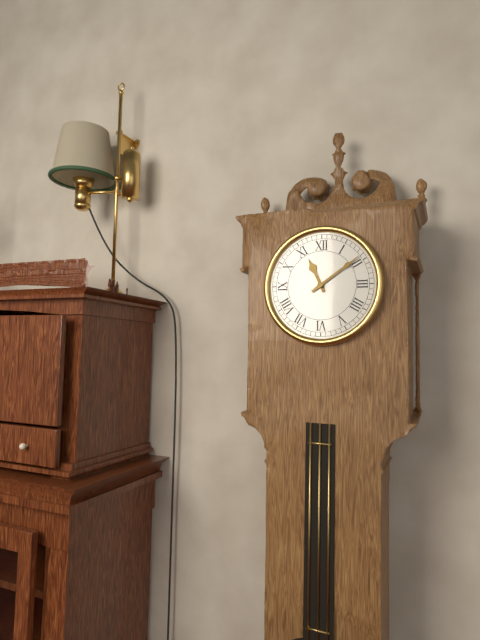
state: 11:09
